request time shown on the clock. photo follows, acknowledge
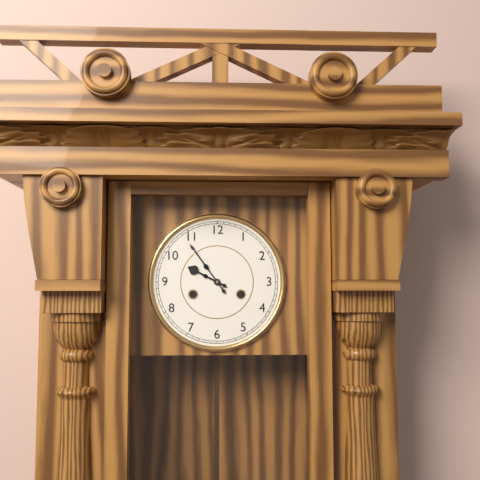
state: 9:54
